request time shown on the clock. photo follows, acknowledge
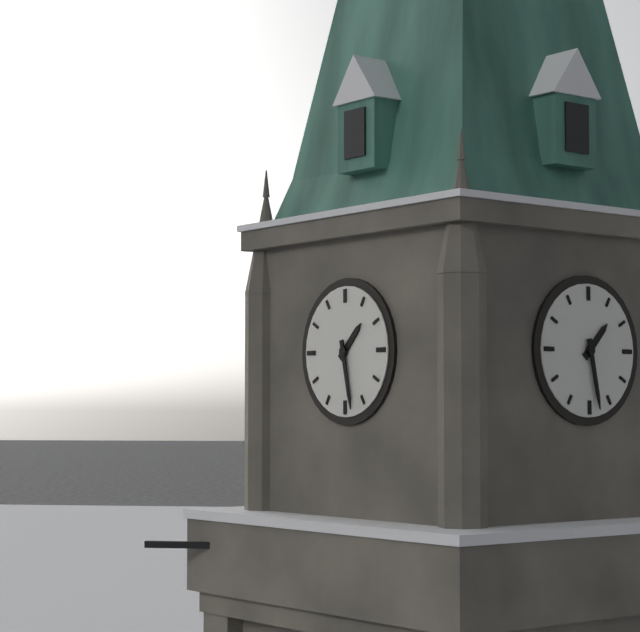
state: 1:28
